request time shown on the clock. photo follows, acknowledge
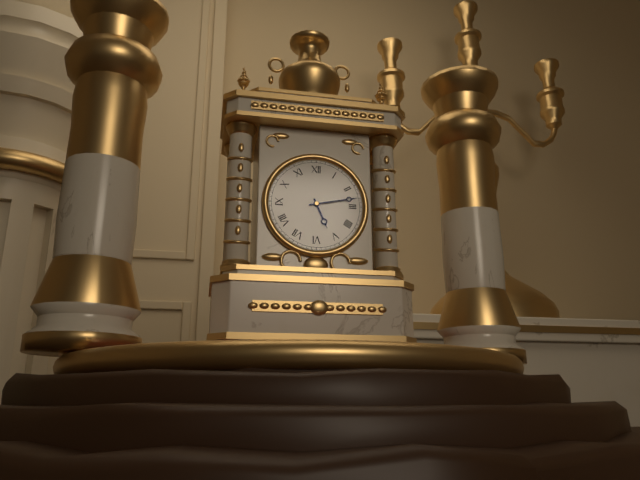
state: 5:13
